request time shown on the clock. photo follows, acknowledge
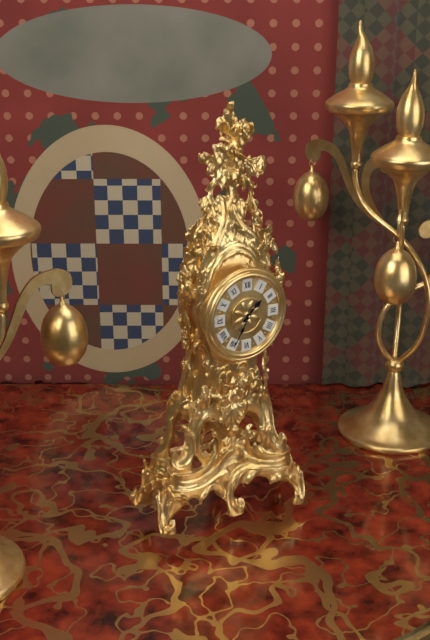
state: 1:35
